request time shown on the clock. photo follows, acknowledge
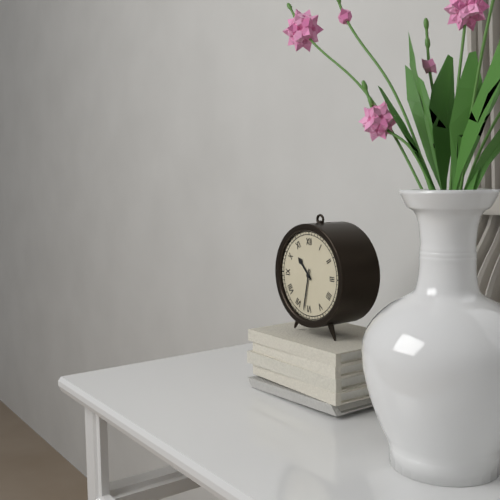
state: 10:32
